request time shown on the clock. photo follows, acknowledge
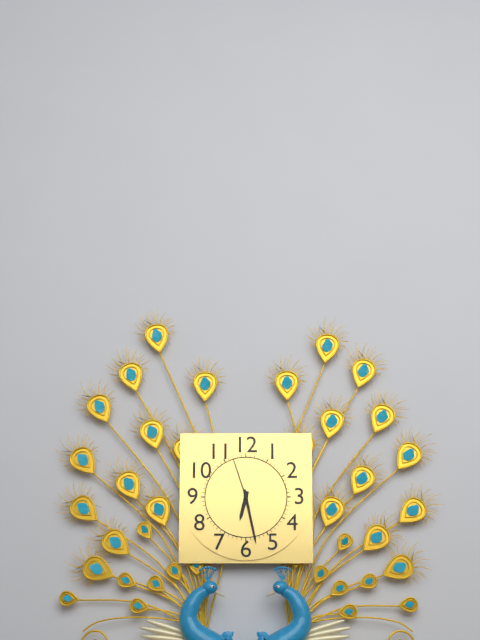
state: 6:28:57
